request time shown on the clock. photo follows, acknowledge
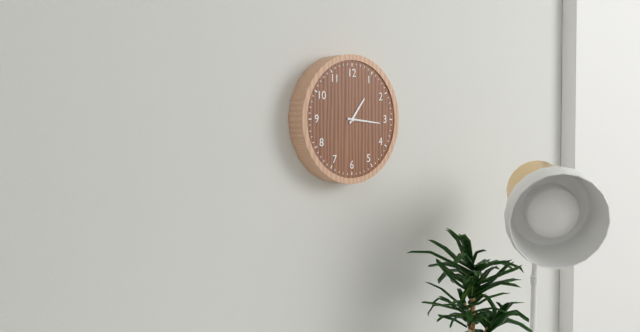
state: 1:16
